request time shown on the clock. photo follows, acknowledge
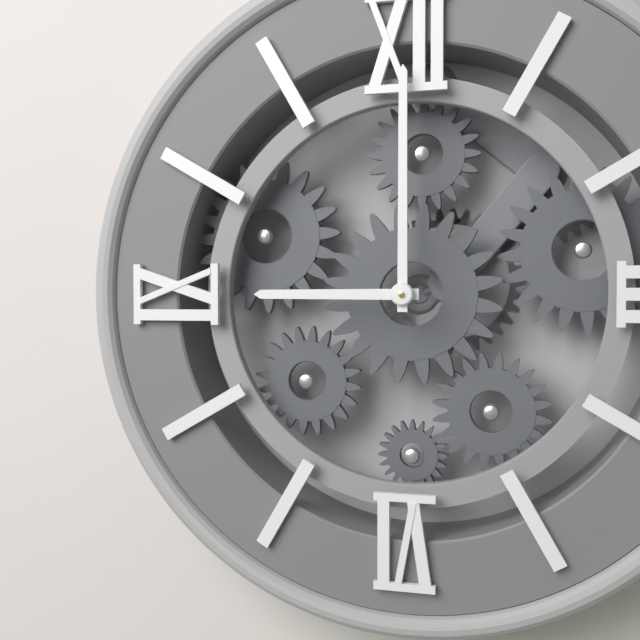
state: 9:00
